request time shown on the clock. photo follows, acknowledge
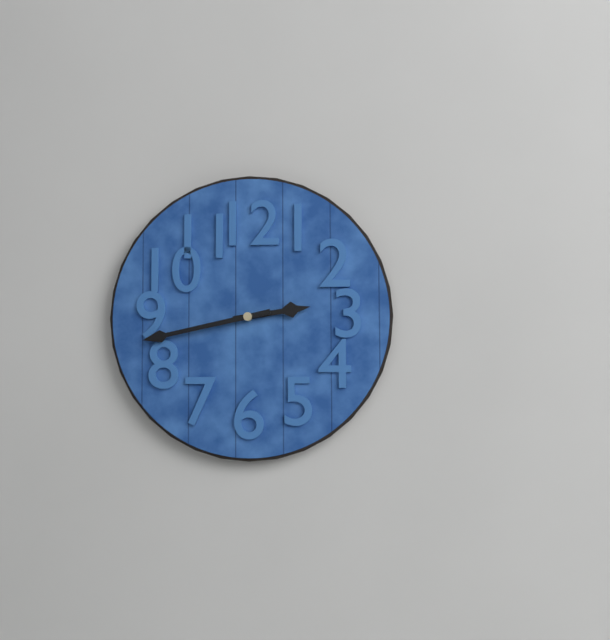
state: 2:43
